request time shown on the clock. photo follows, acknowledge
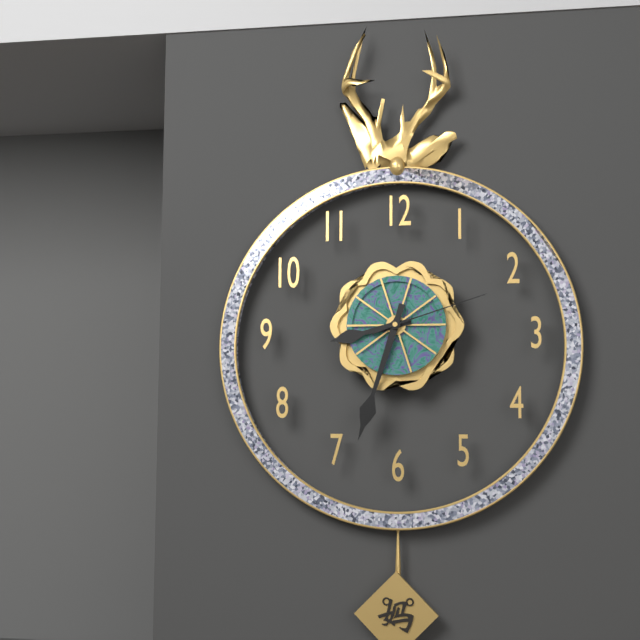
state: 8:33:12
